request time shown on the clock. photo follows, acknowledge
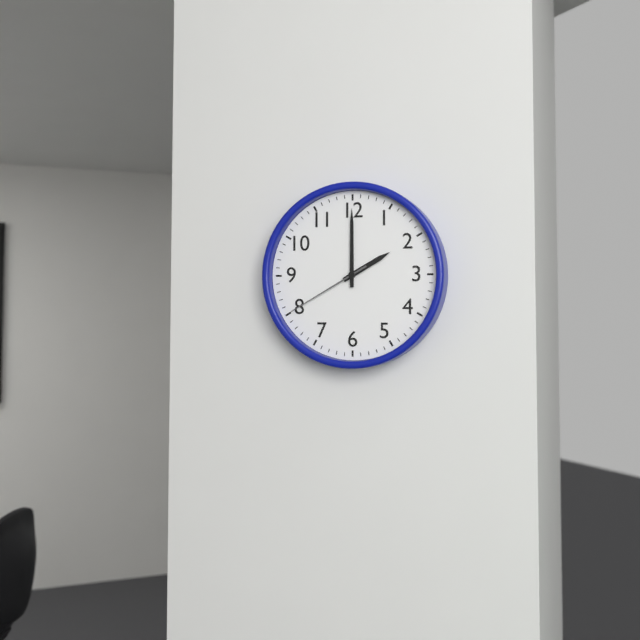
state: 2:00:40
